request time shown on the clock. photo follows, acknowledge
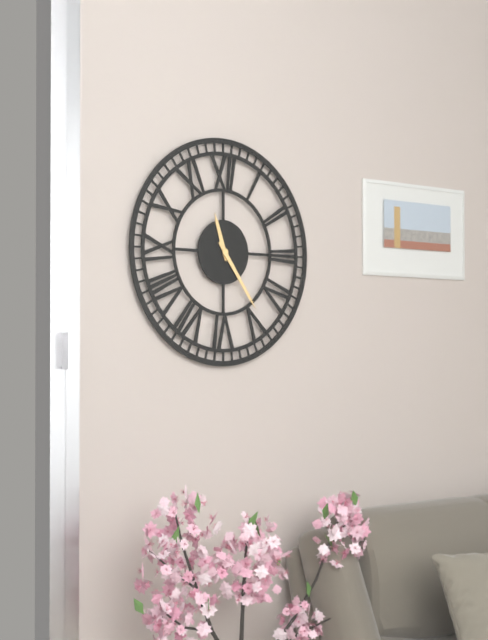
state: 11:24
